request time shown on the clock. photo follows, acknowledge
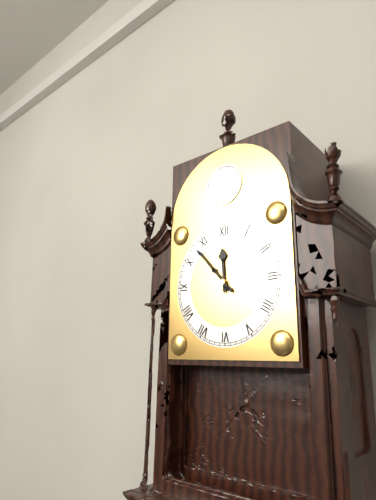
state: 11:53
